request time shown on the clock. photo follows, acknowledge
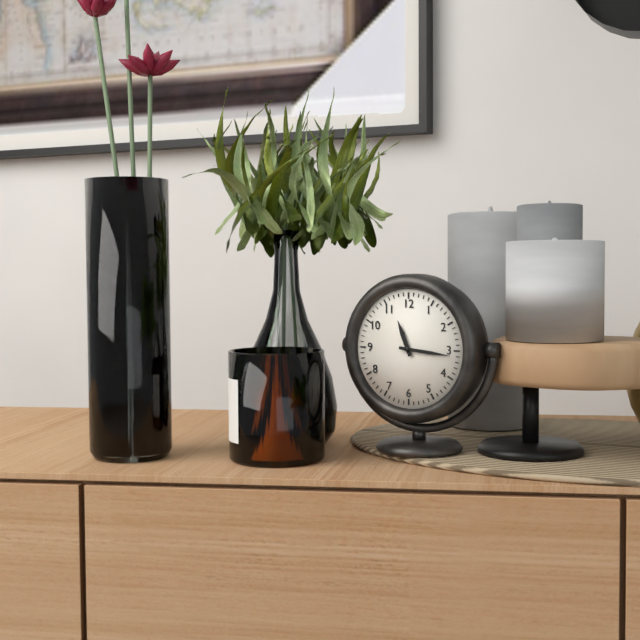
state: 11:16
